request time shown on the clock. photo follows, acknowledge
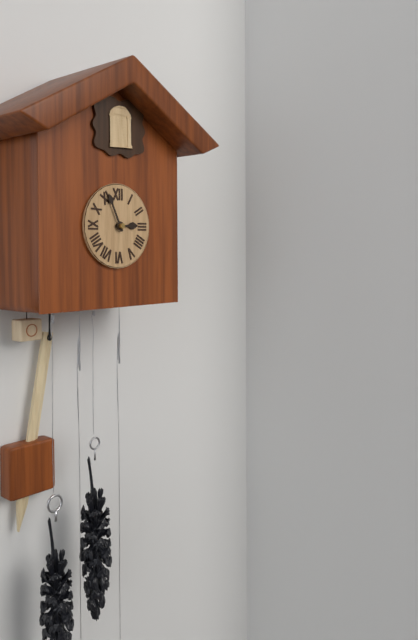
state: 2:56
